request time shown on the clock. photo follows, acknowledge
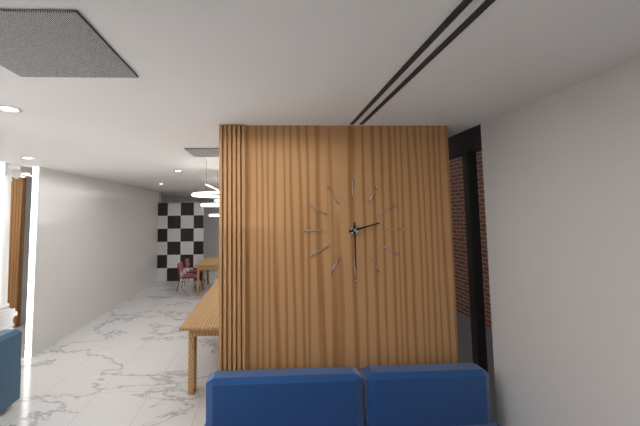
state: 2:30
